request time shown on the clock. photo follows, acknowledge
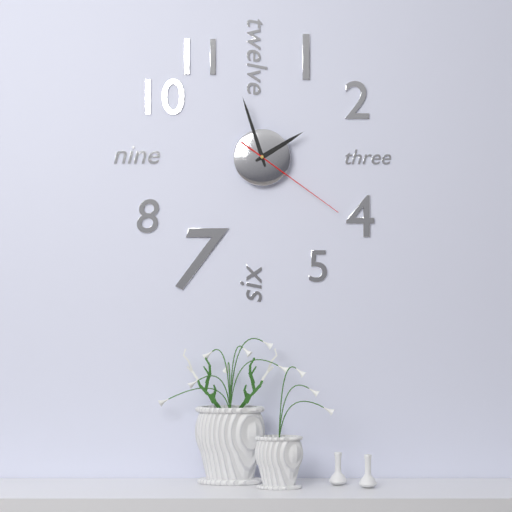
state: 1:57:21
